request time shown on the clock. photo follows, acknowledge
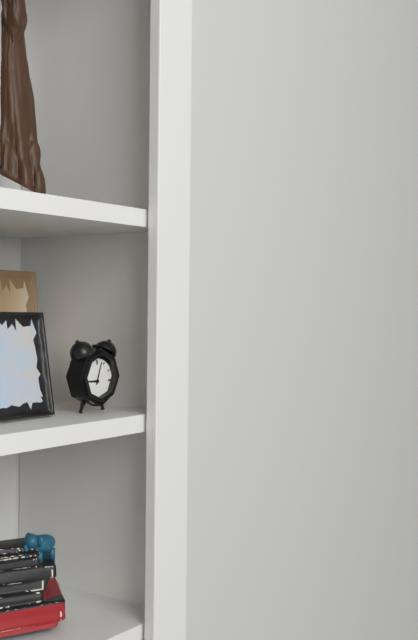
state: 9:03
